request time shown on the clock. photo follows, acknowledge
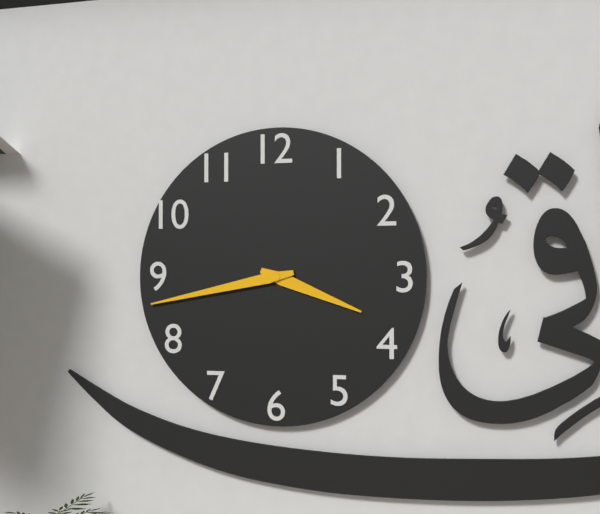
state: 3:43
